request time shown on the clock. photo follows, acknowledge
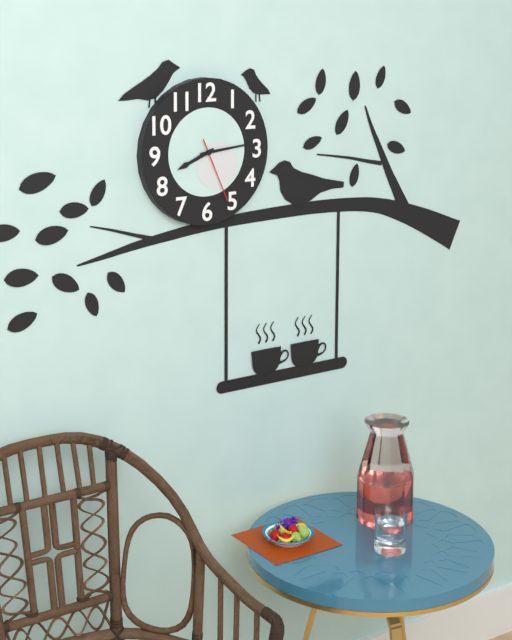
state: 8:14:26
